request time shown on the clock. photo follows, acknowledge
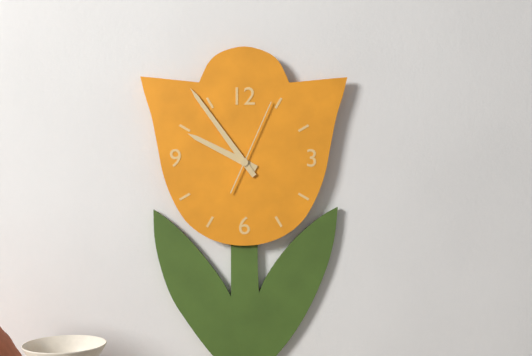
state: 9:54:04
